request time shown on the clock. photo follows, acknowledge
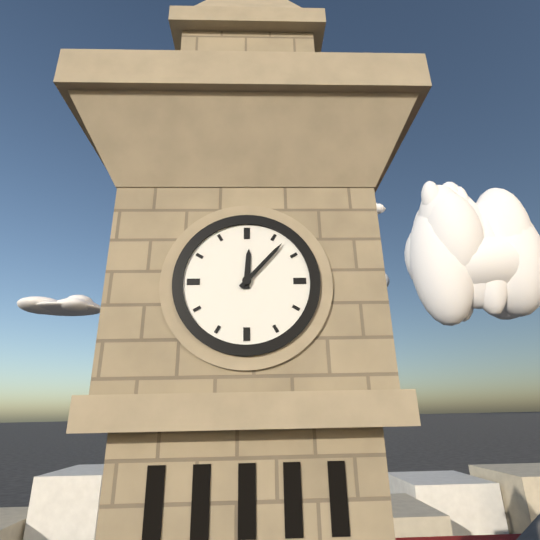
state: 12:07
